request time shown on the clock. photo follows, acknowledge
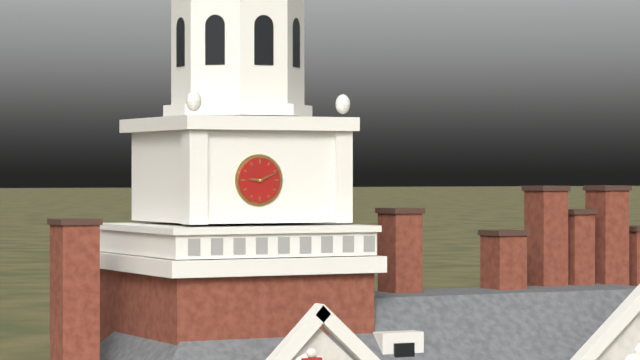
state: 9:11
